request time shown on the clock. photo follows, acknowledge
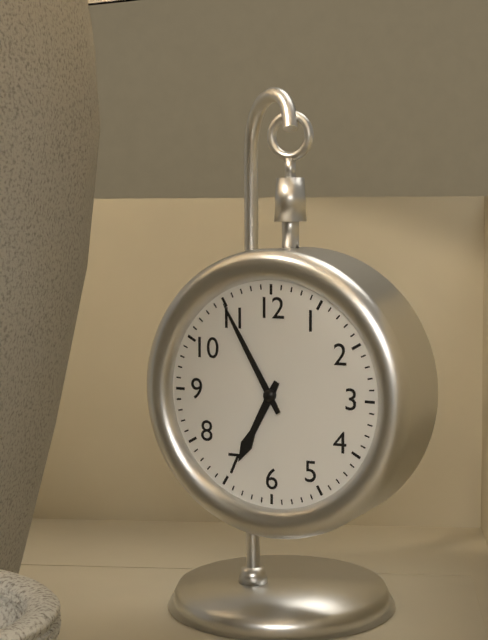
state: 6:55
